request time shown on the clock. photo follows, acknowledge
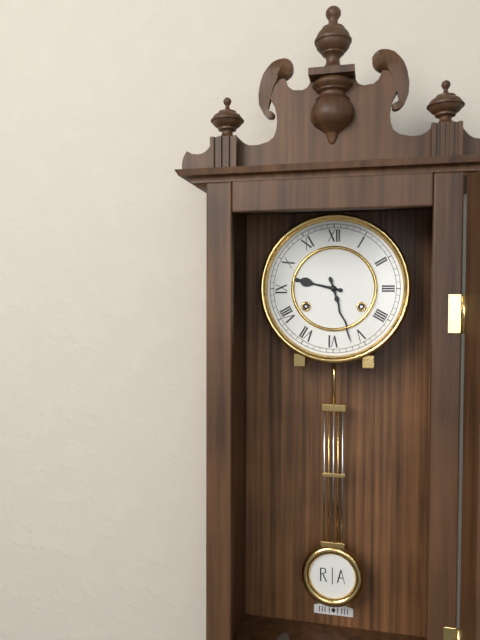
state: 9:27
